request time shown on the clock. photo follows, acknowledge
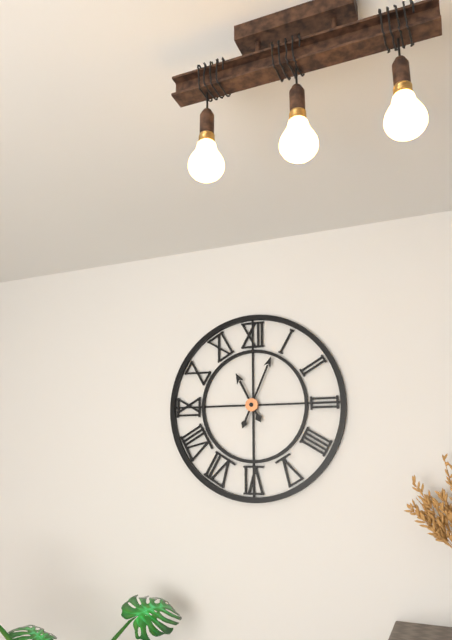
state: 11:04
